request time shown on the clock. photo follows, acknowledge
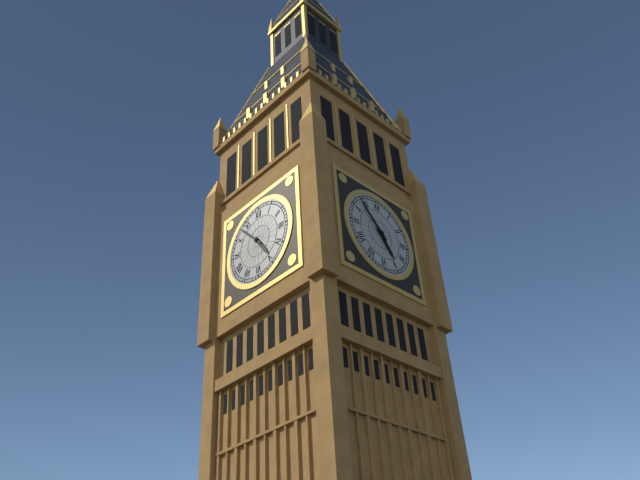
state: 4:53
